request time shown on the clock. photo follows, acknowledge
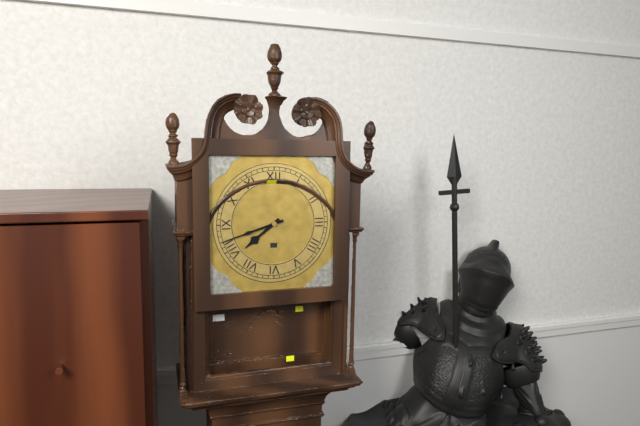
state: 7:42
